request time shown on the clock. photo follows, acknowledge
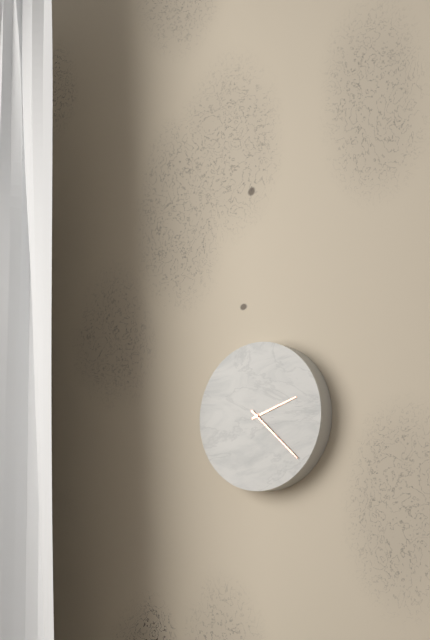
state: 2:22
